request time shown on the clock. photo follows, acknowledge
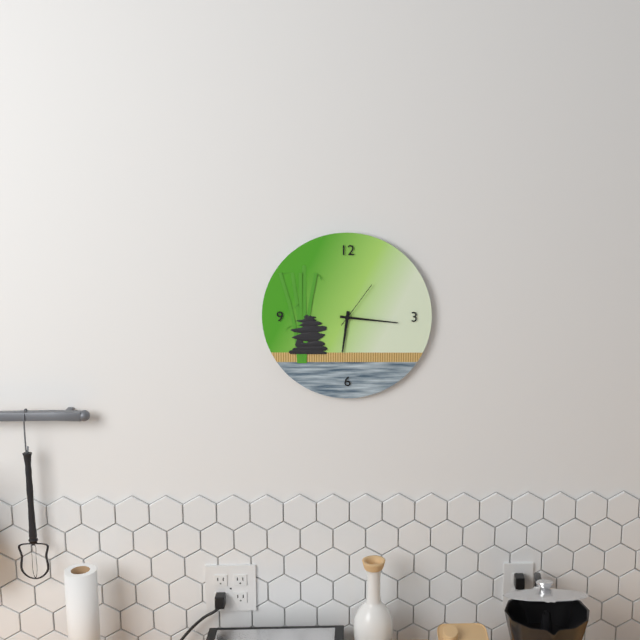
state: 6:16:06
